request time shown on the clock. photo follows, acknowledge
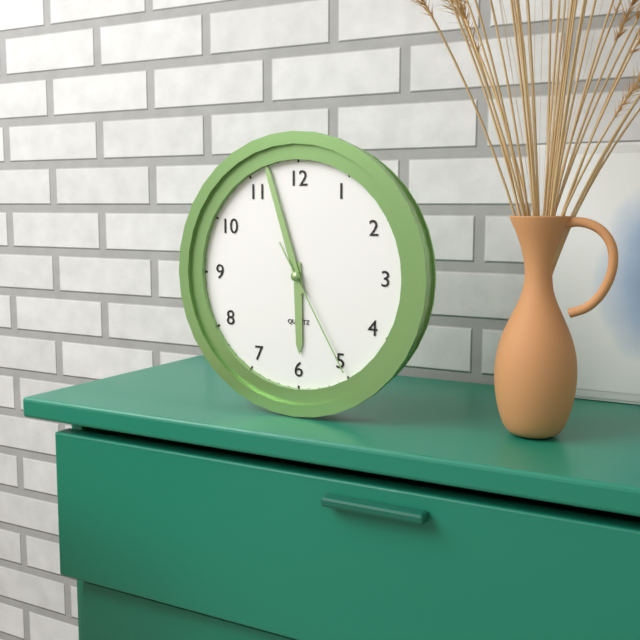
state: 5:57:25
